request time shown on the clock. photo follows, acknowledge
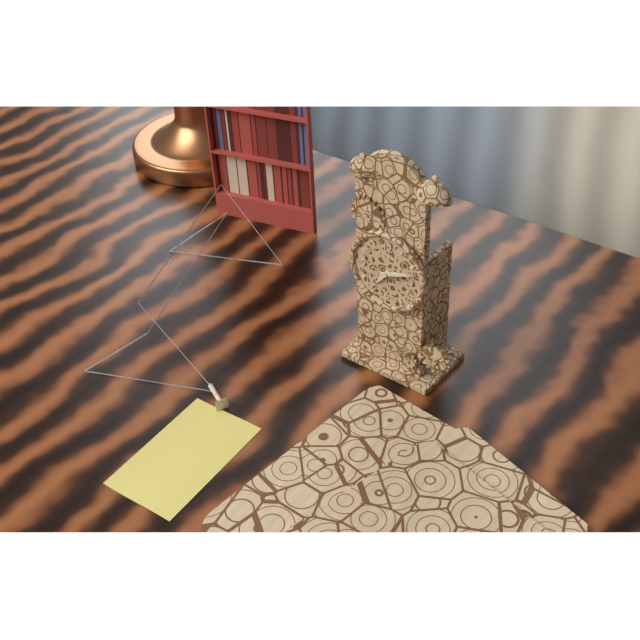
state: 7:12
